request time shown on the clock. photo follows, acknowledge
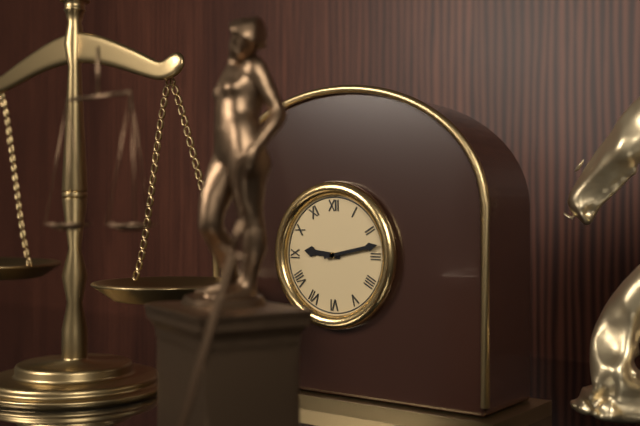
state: 9:13
